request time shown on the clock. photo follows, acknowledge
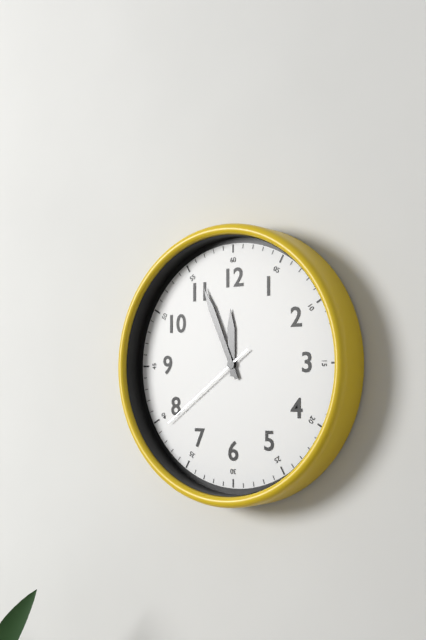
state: 11:56:39
